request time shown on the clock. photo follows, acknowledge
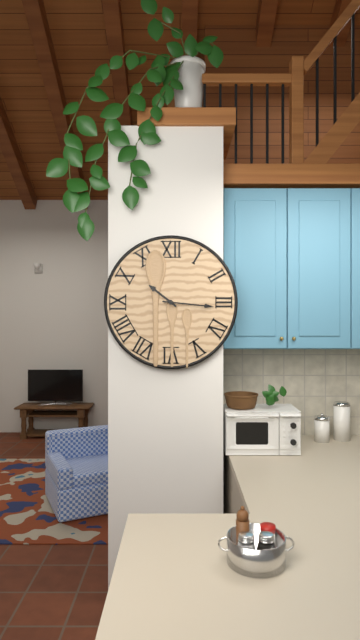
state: 10:16
